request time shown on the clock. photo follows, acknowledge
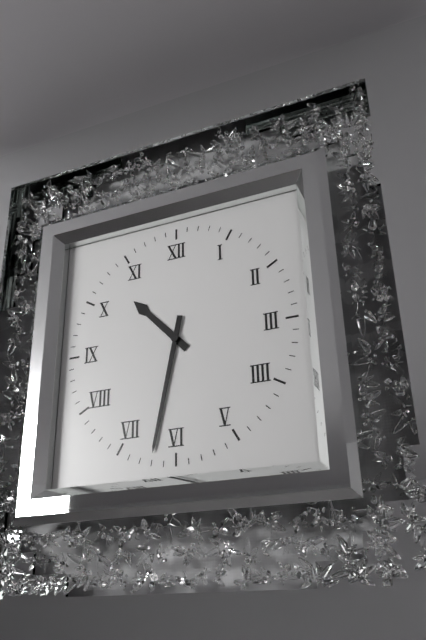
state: 10:32
